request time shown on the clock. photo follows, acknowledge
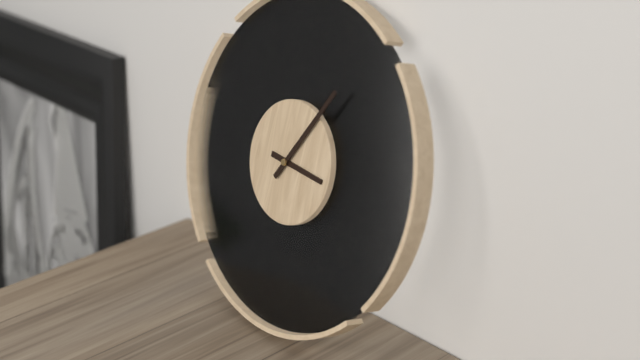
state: 3:05
